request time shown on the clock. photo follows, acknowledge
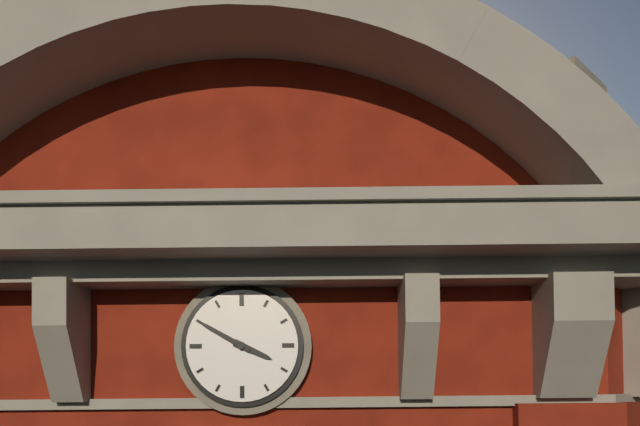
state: 3:50
